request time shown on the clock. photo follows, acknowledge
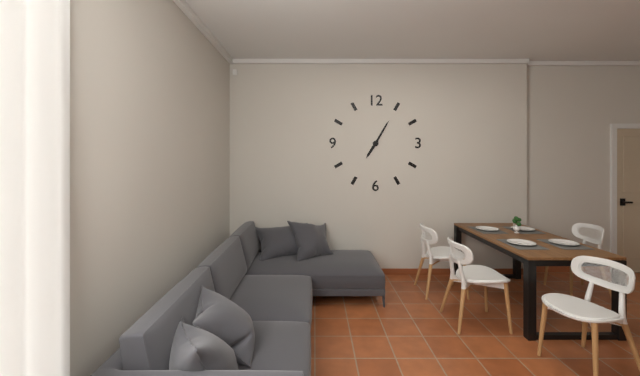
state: 7:05
